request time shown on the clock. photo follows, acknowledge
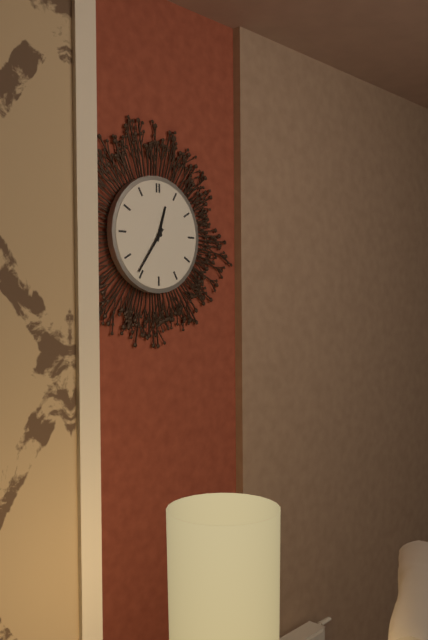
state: 12:36
